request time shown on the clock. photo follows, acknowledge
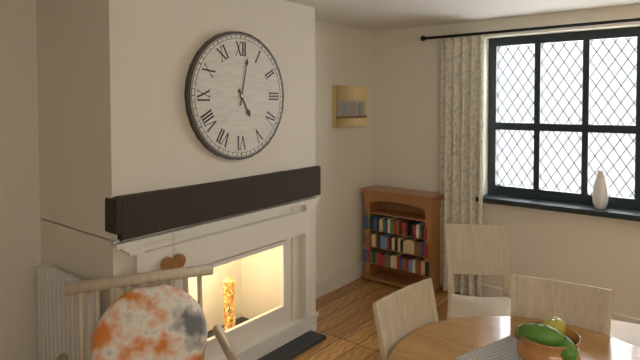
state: 5:02
